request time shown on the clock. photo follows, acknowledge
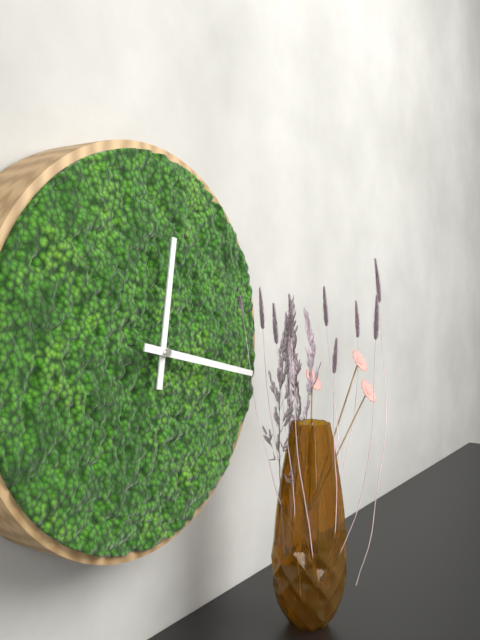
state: 12:17
